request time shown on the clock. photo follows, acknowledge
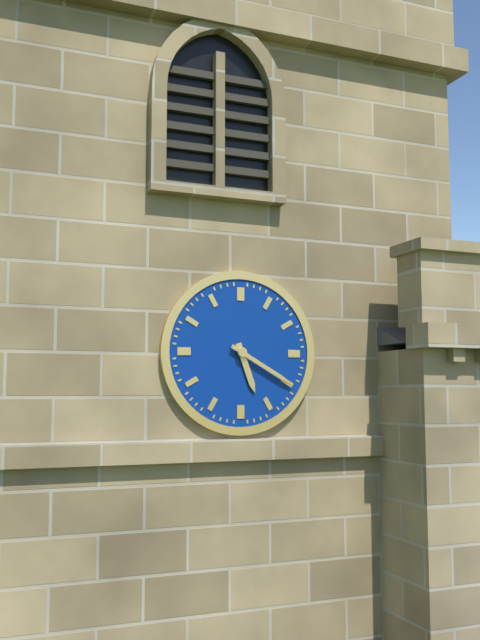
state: 5:20
